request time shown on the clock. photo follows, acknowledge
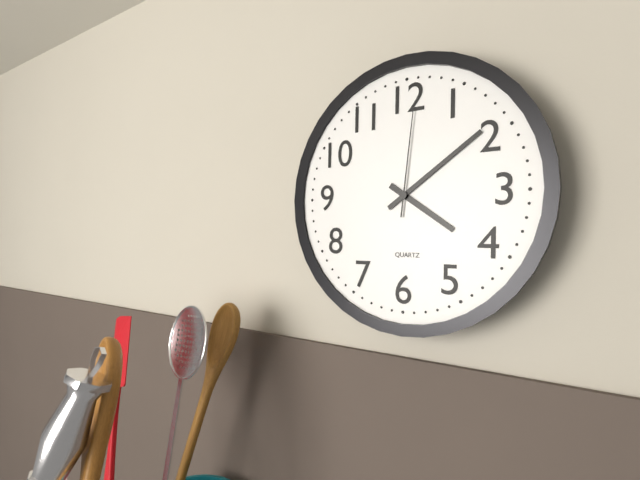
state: 4:09:01
